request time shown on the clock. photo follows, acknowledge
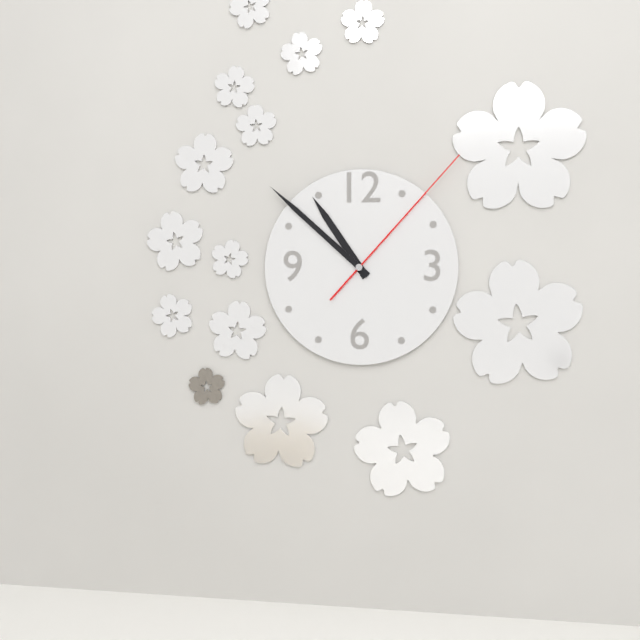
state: 10:52:07
